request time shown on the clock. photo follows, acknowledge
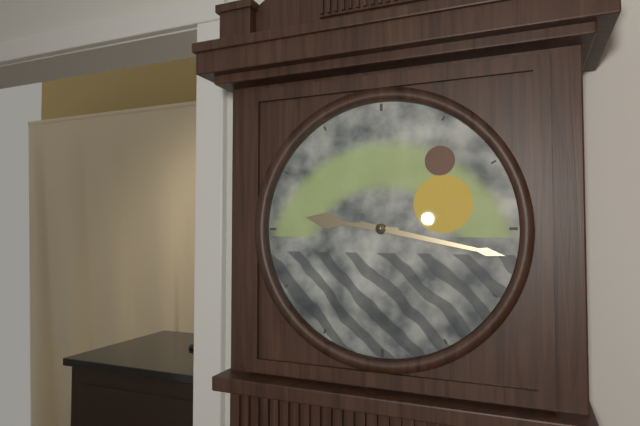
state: 9:17
